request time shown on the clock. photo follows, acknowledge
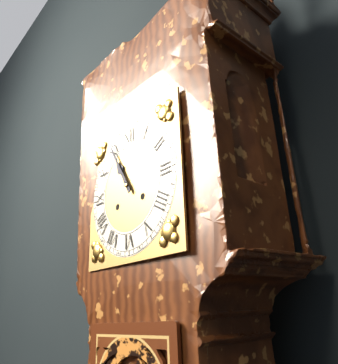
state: 10:55
